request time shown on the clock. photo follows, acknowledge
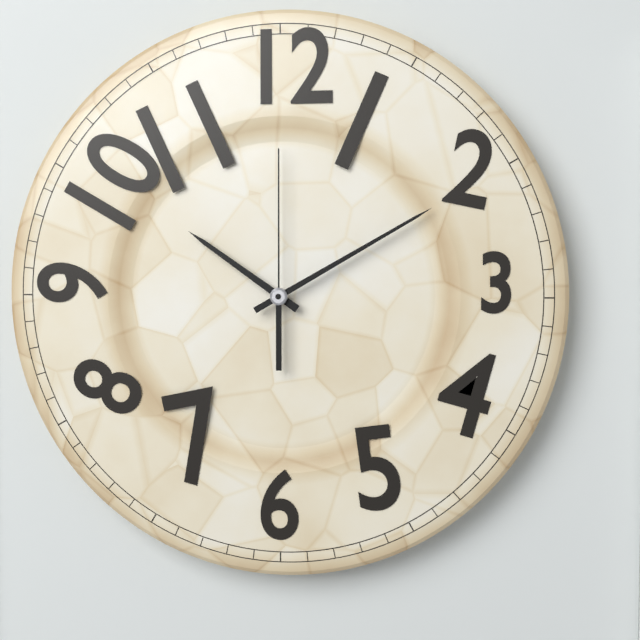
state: 10:10:00
